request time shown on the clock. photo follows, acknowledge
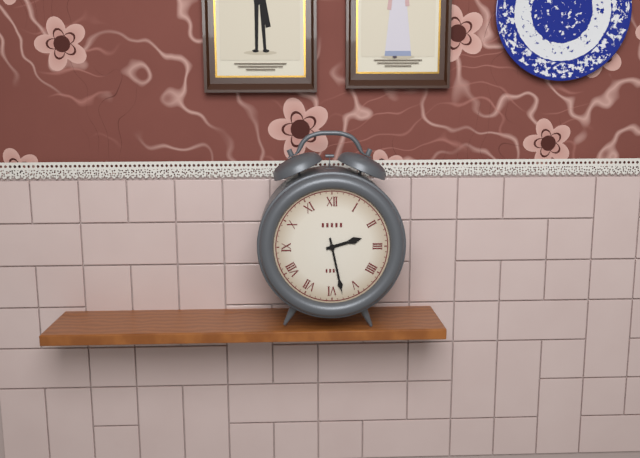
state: 2:28
